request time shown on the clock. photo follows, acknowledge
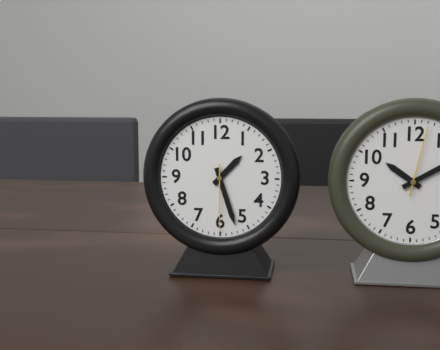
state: 1:27:30
